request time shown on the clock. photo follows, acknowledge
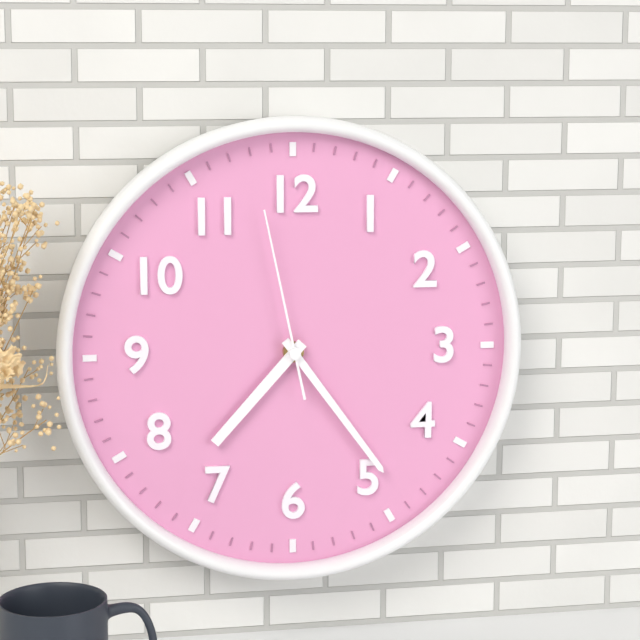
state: 7:24:58
